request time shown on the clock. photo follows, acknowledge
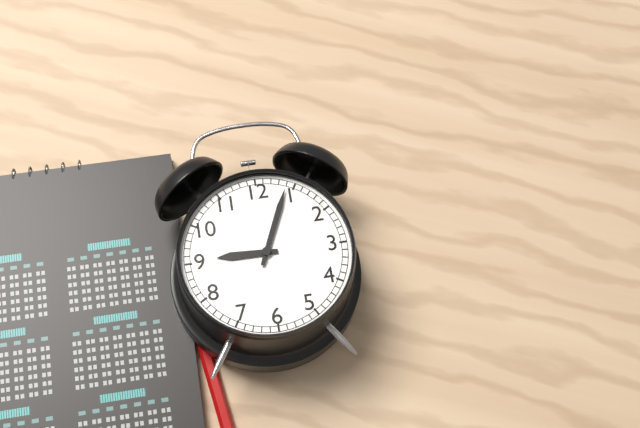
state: 9:04
